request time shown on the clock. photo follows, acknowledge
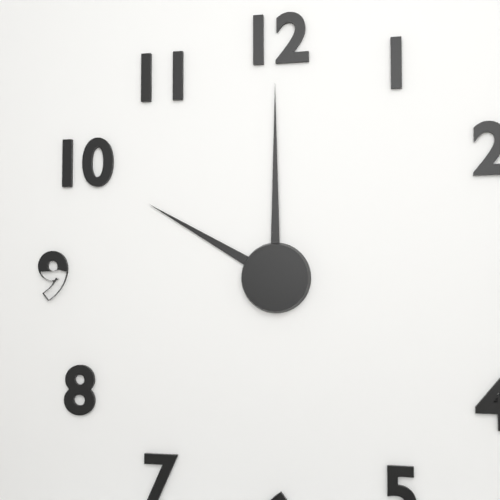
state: 10:00
